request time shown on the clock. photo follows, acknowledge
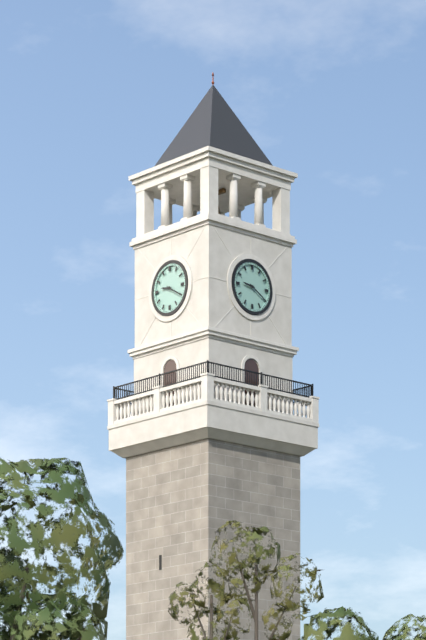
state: 9:20
